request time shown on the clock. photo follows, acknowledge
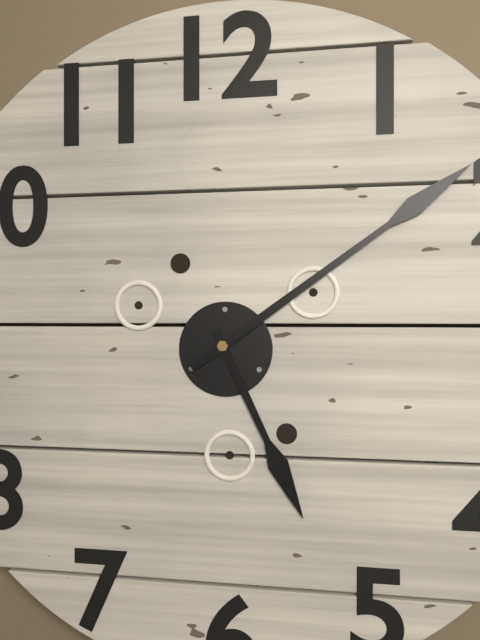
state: 5:09
